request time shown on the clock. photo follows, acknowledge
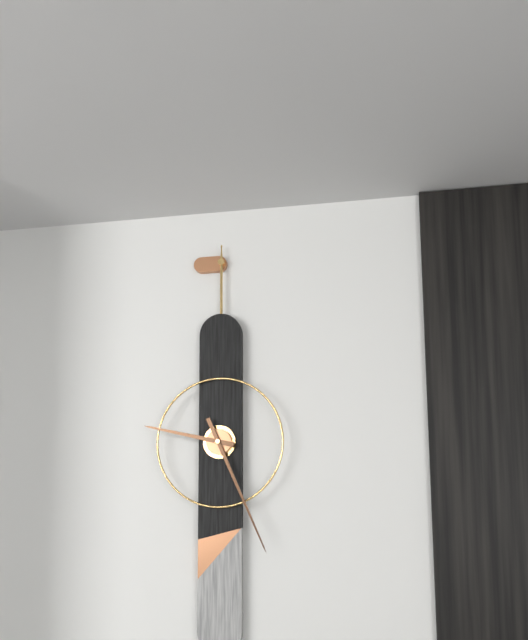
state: 9:26
